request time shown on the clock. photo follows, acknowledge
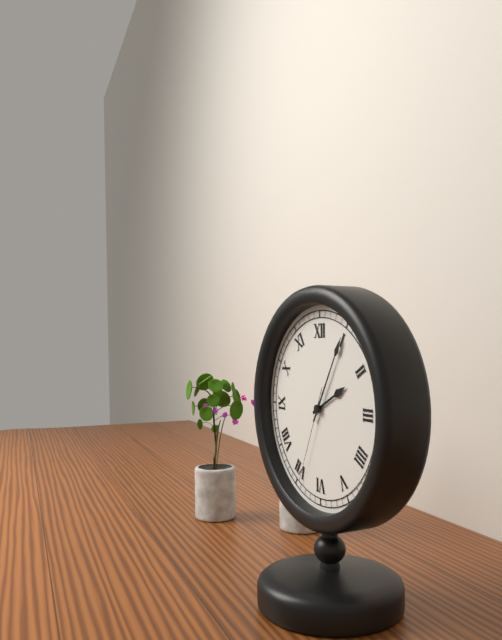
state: 2:05:34
